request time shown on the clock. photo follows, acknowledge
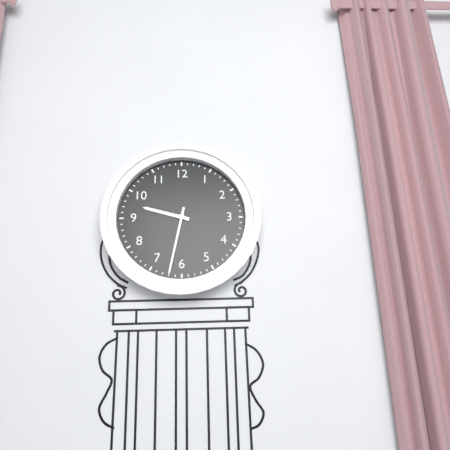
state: 9:32
